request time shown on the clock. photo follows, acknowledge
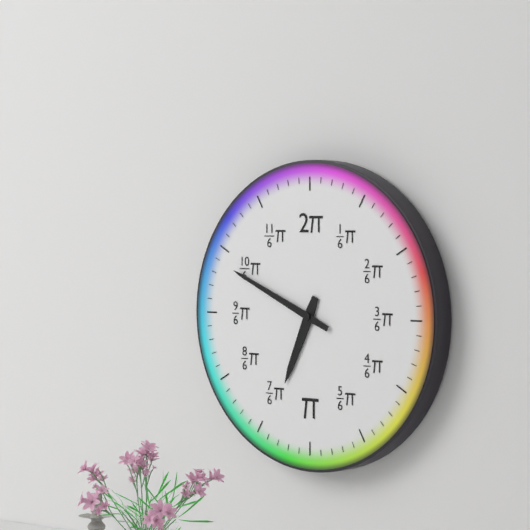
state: 6:49
